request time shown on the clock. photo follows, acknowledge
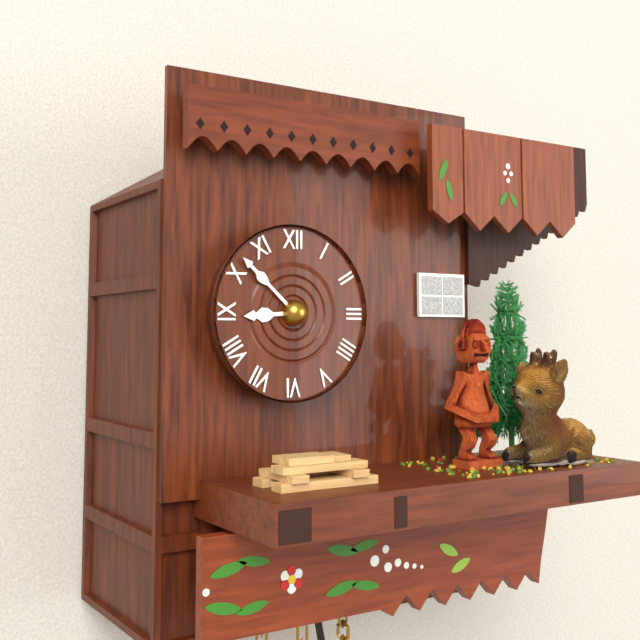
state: 8:52
